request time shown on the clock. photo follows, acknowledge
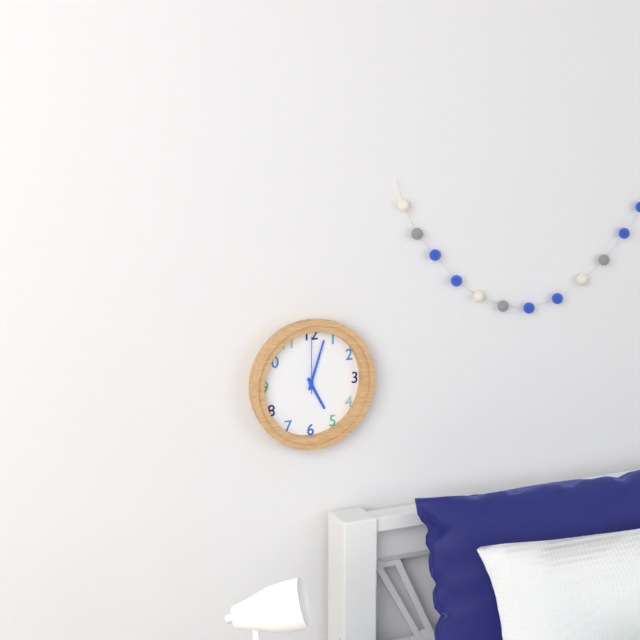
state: 5:03:00
